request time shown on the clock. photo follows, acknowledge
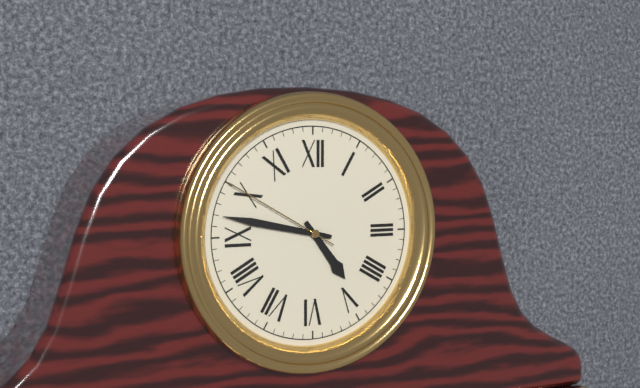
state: 4:47:50
